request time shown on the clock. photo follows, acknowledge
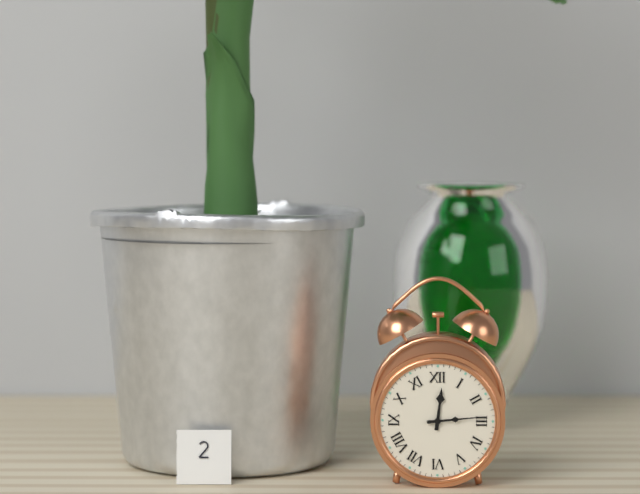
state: 12:14
